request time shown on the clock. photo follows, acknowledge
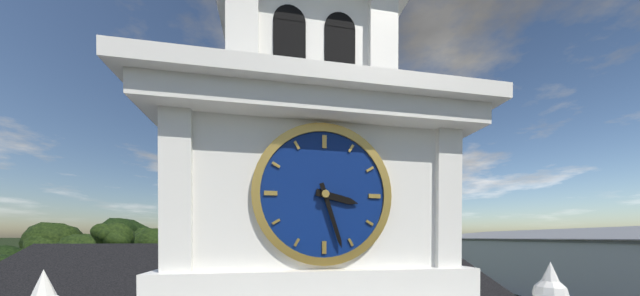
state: 3:27
